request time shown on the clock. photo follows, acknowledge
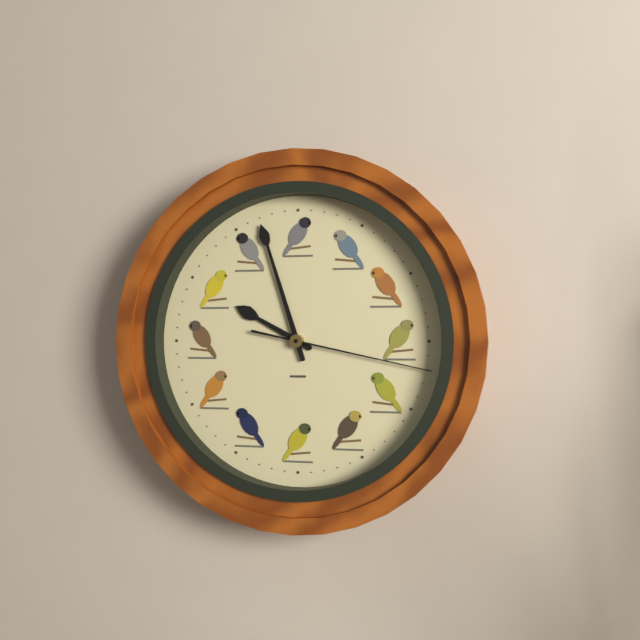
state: 9:57:17
